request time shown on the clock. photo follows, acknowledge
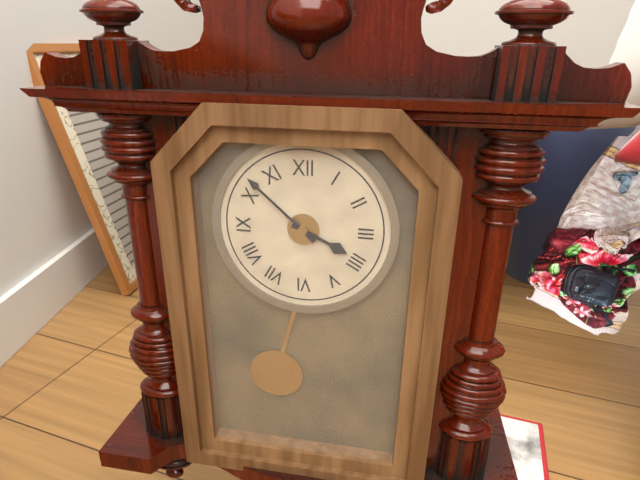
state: 3:52
